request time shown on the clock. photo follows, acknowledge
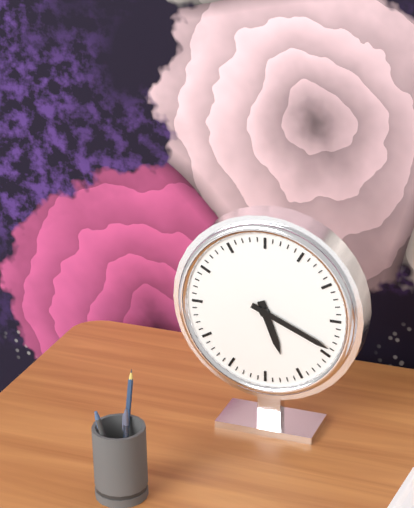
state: 5:19
